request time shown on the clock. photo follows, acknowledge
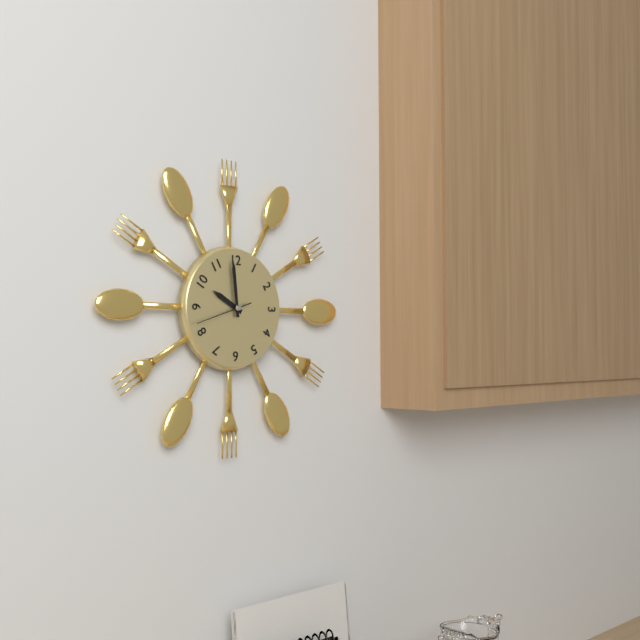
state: 9:59:42
